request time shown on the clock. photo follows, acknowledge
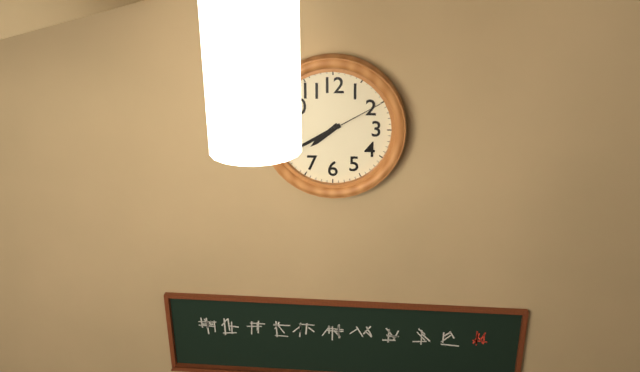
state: 7:40:10
